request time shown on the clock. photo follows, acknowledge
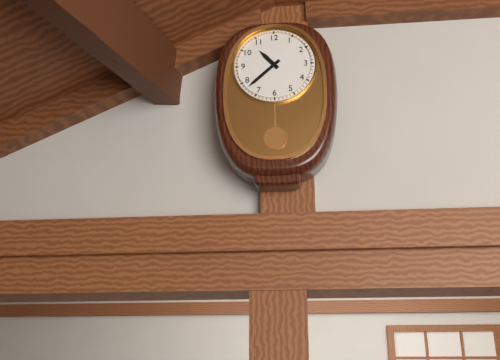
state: 10:38
